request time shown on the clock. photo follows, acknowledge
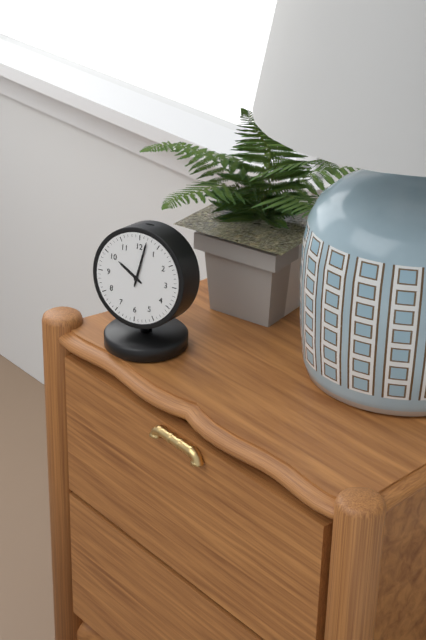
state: 10:02
